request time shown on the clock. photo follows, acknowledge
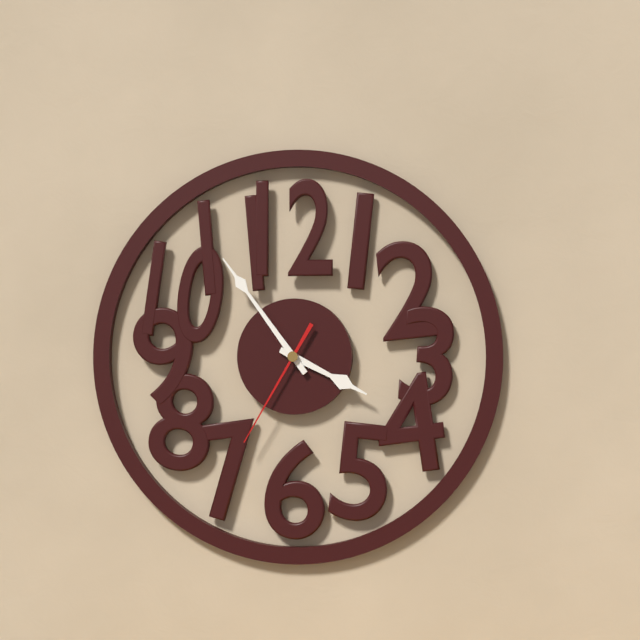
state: 3:54:35
